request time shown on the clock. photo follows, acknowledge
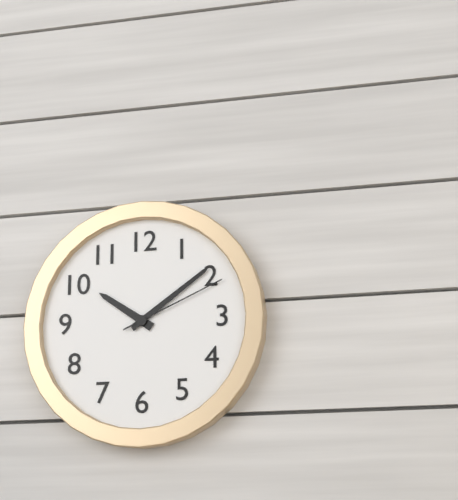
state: 10:09:11
